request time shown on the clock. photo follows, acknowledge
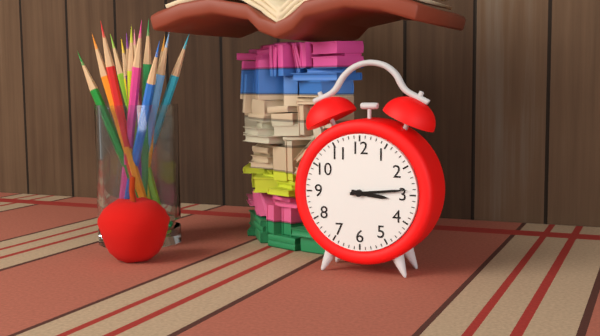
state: 3:14
